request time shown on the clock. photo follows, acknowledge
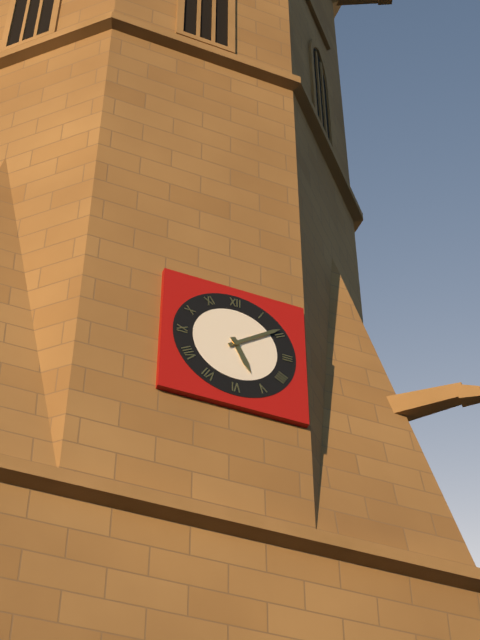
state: 5:09
